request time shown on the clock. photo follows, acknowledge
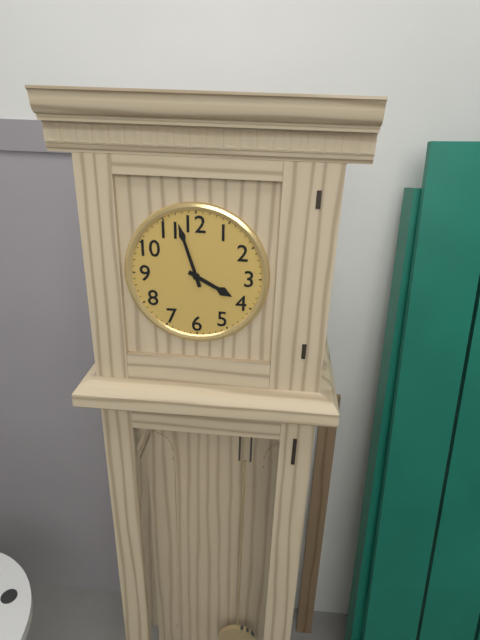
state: 3:57
